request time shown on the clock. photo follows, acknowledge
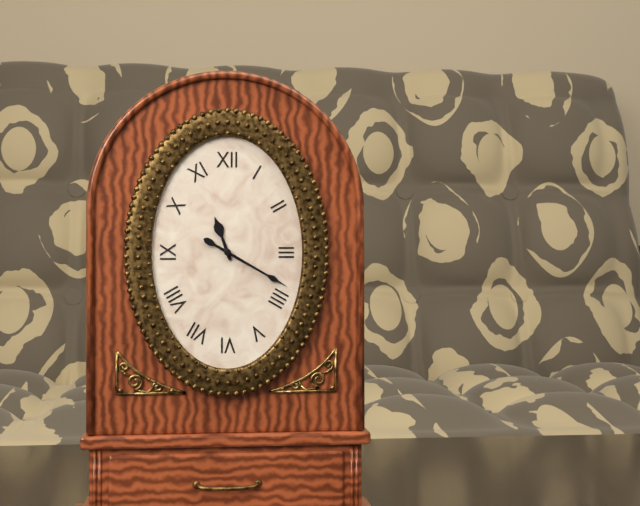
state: 11:20
